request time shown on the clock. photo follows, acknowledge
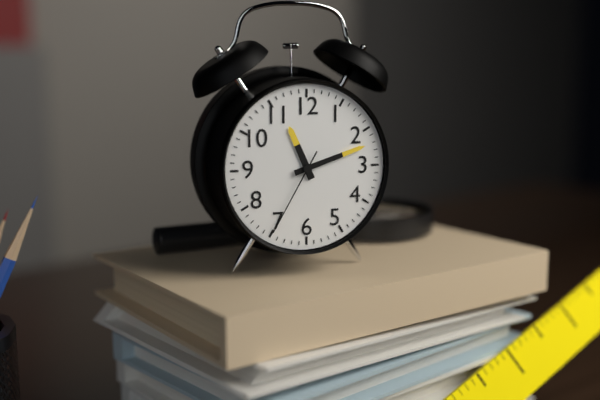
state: 11:12:35
